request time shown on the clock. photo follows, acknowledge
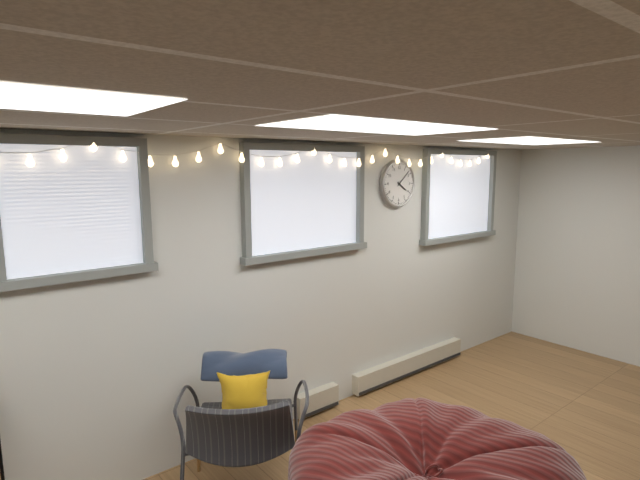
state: 4:08
